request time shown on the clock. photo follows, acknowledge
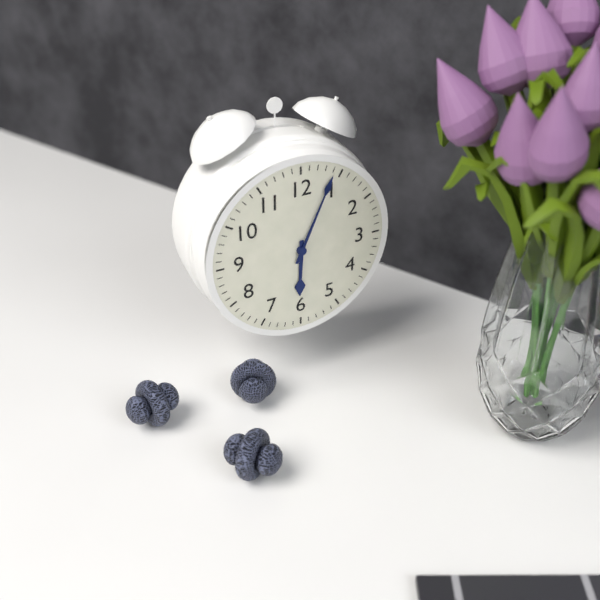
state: 6:04
